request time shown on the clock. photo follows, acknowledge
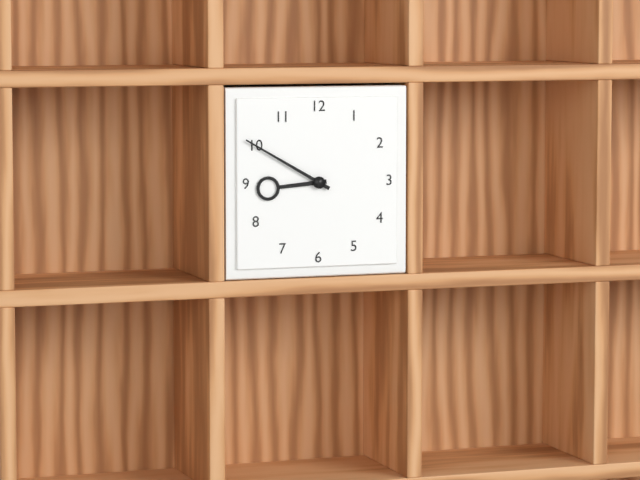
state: 8:50
